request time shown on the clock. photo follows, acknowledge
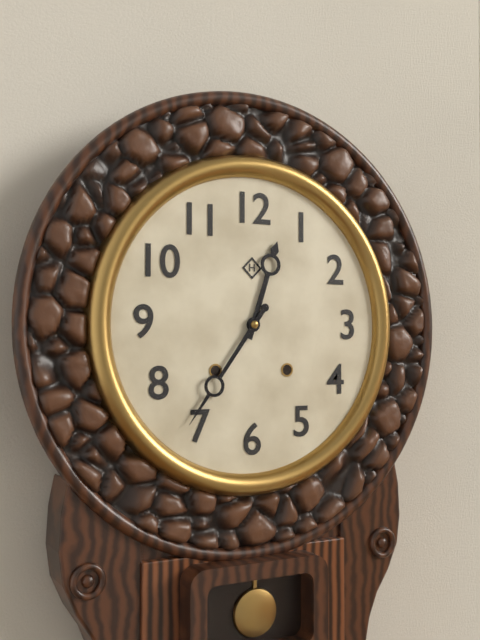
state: 12:36
